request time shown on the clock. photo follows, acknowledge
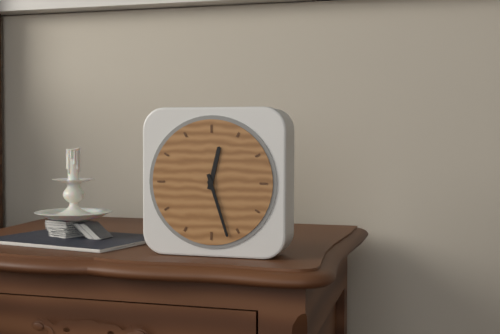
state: 12:27
